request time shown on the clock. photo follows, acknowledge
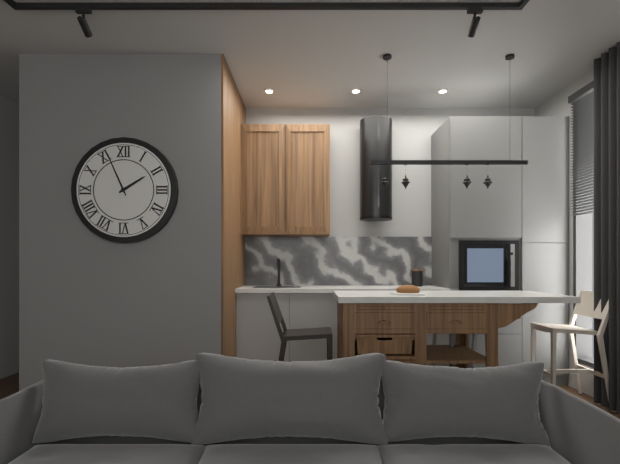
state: 1:56
